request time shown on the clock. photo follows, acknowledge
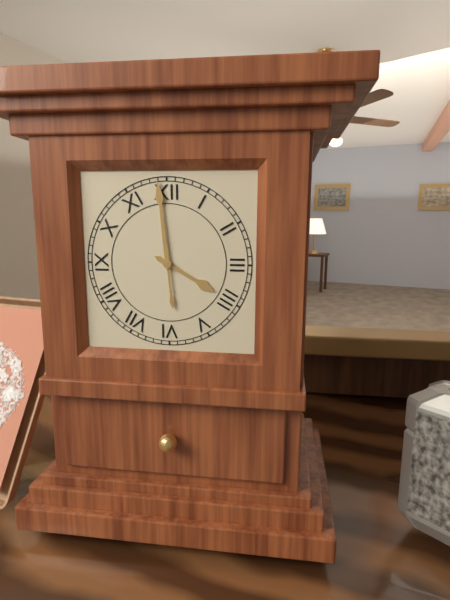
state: 3:59
